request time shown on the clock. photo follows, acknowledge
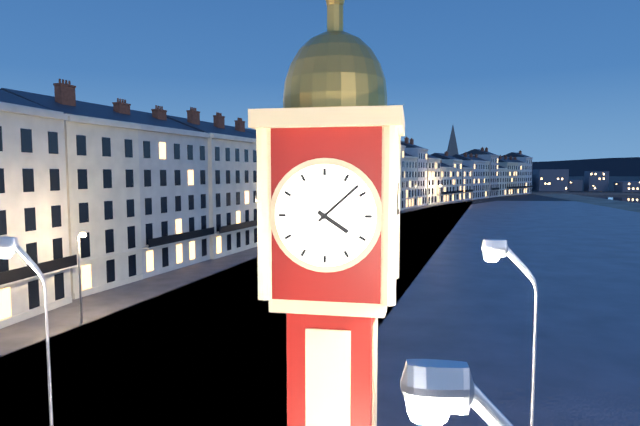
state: 4:08
